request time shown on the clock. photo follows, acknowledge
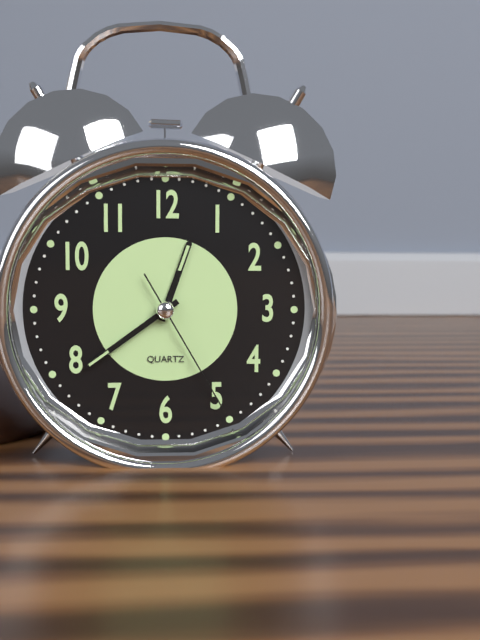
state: 12:39:25
